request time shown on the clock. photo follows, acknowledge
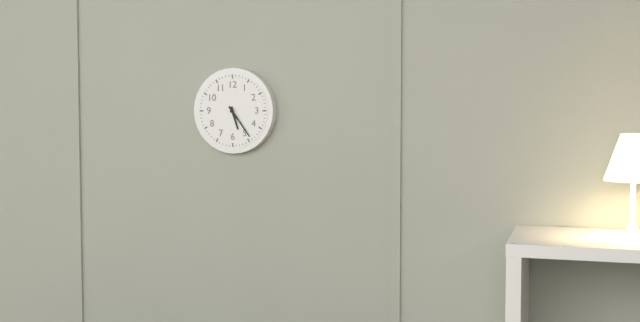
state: 5:24
